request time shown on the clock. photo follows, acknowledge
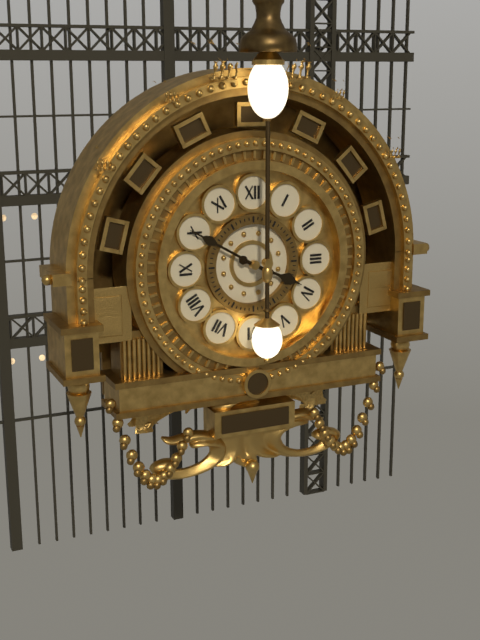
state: 3:50
